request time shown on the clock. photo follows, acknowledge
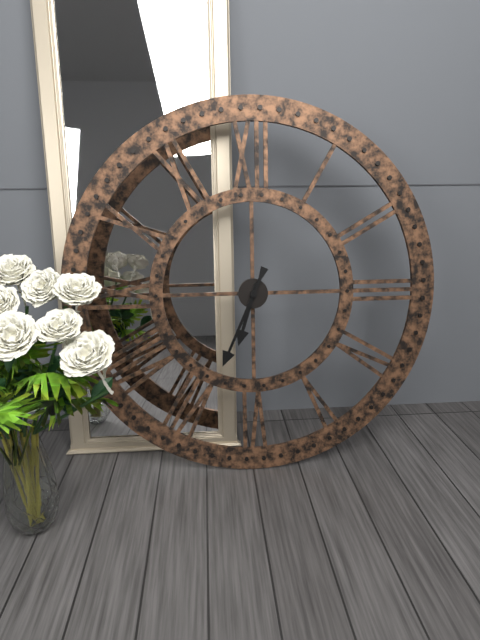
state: 6:34
